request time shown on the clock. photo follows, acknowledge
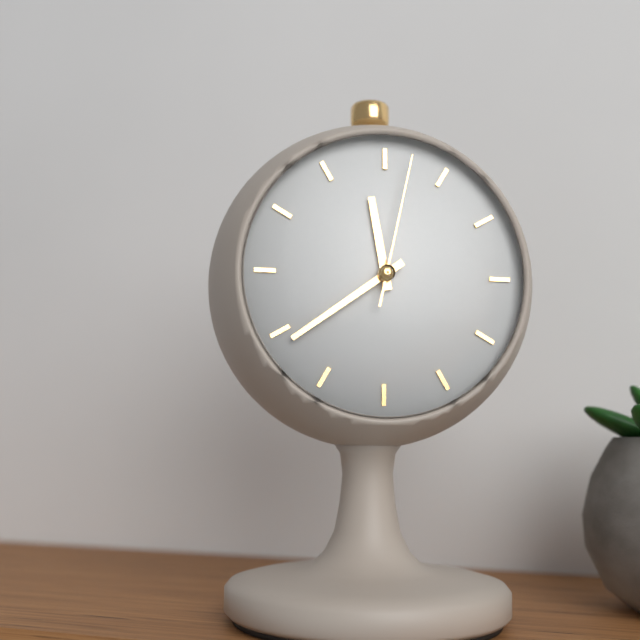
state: 11:39:02
